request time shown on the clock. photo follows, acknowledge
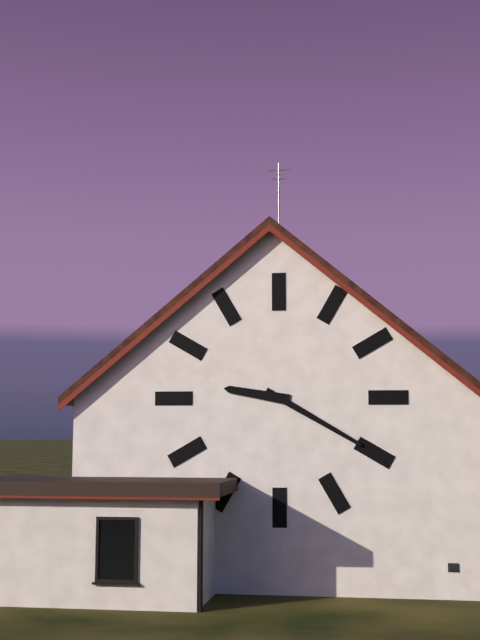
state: 9:20
